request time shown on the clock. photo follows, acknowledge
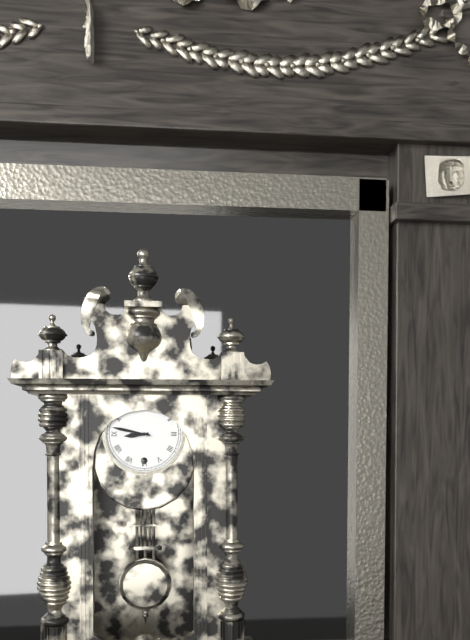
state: 8:47
